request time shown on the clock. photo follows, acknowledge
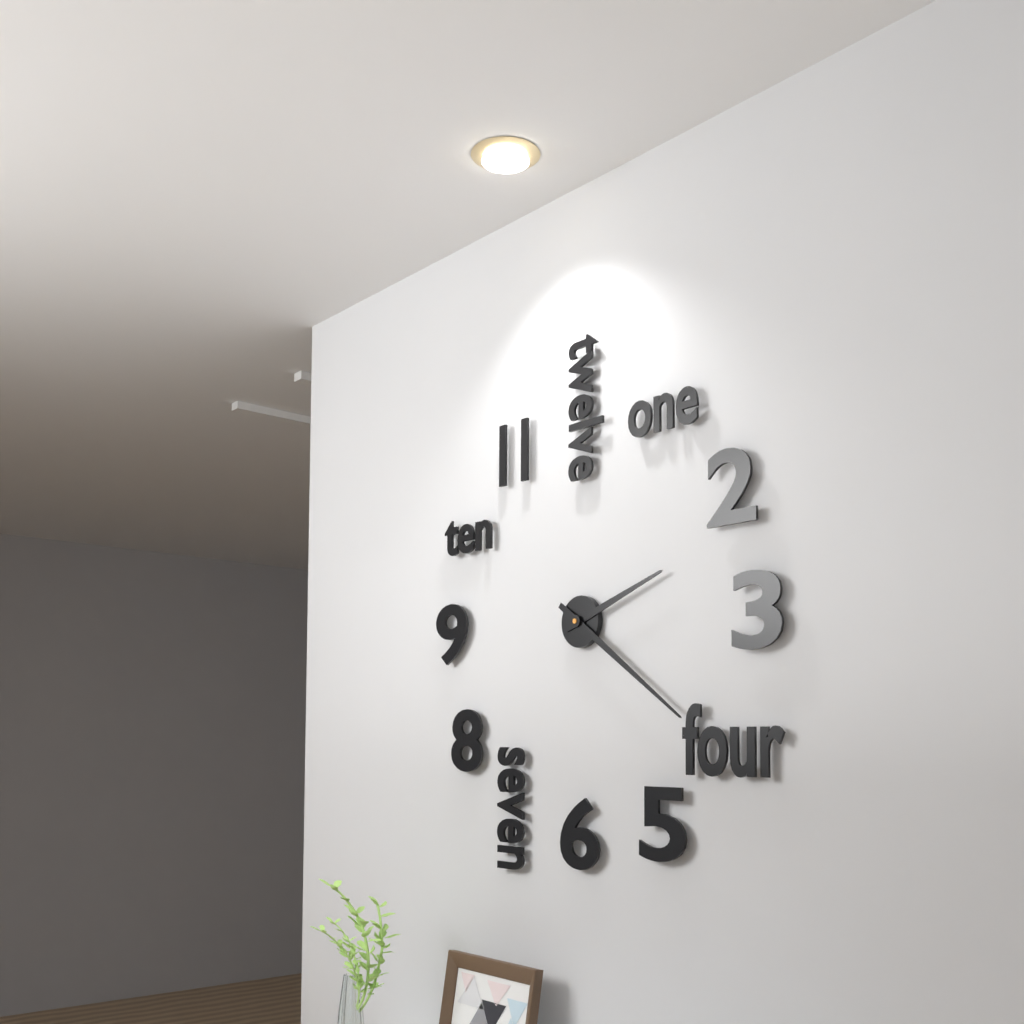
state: 2:21
